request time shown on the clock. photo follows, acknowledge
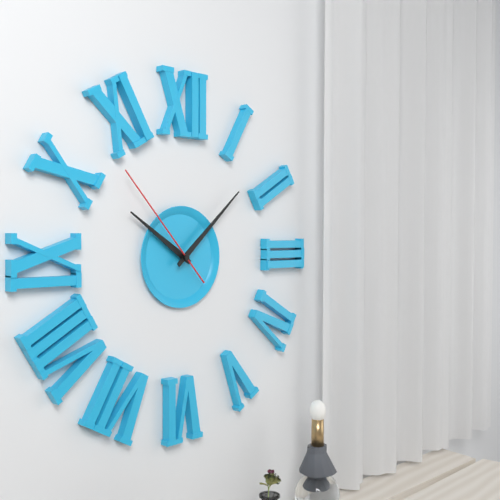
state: 10:08:53
